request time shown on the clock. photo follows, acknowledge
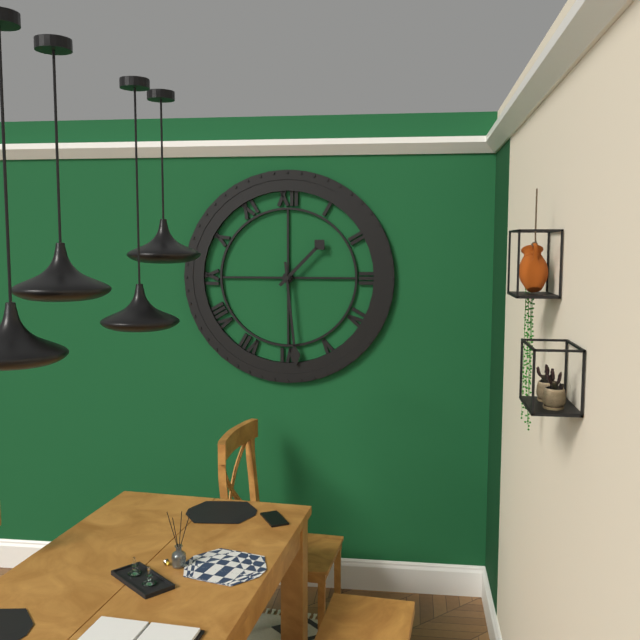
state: 1:29
